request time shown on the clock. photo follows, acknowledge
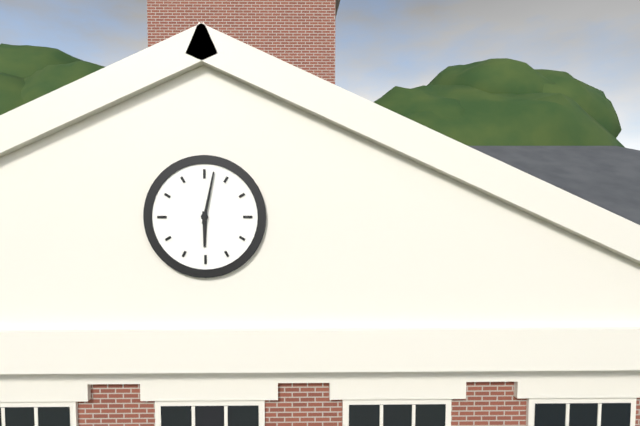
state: 6:02
